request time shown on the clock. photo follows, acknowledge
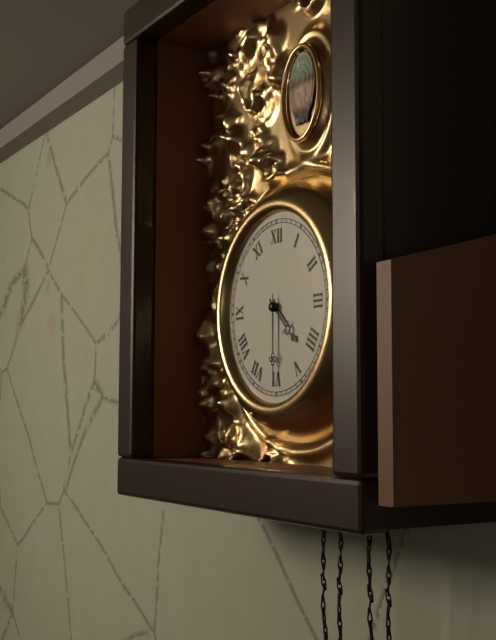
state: 4:30
